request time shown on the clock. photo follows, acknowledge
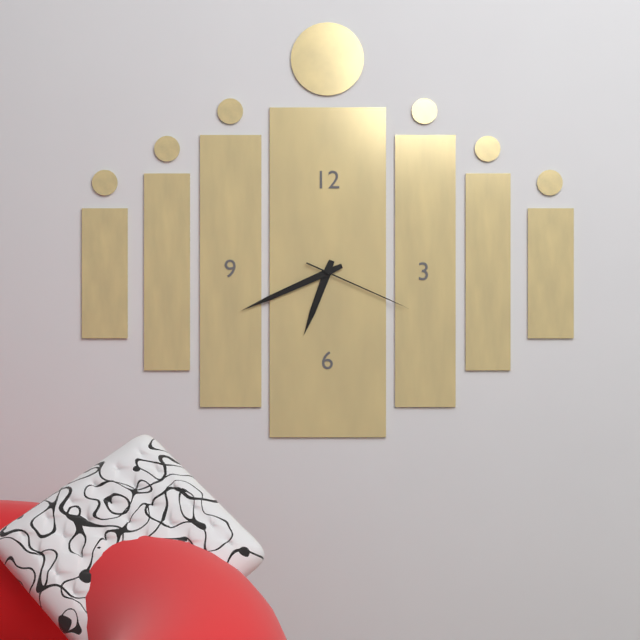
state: 6:41:19
